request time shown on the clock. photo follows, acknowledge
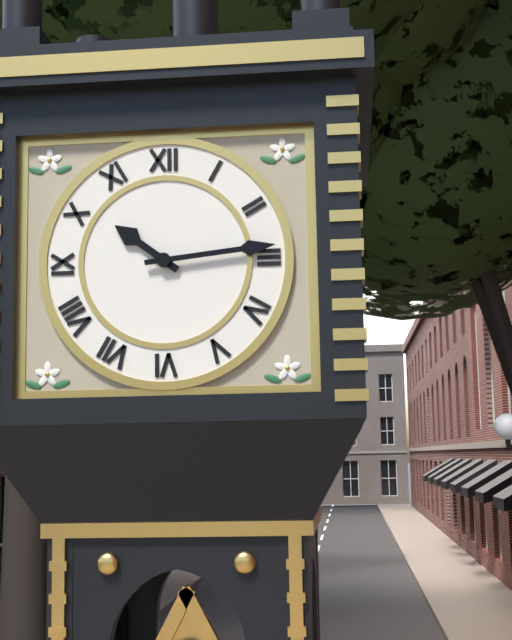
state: 10:14
